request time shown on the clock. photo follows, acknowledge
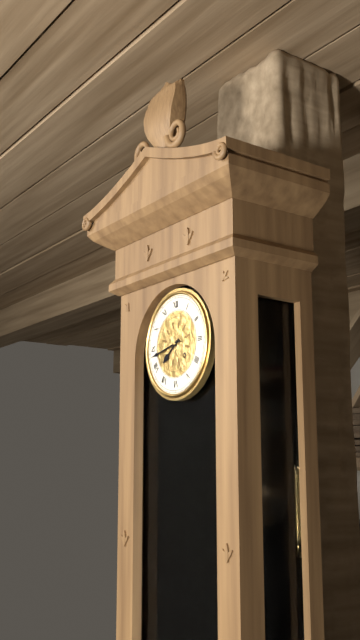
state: 7:43
